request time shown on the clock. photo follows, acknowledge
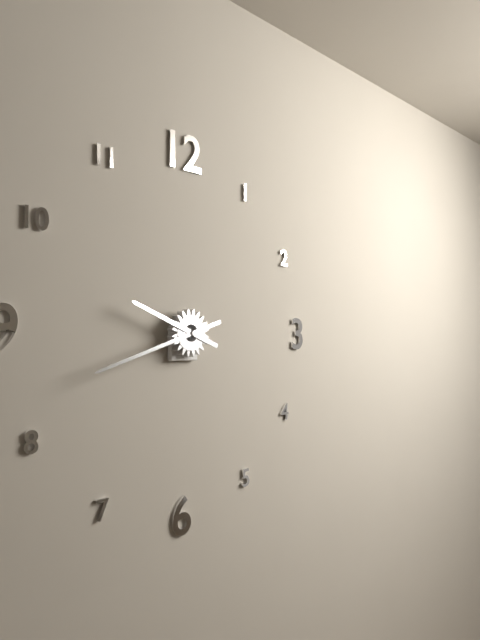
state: 9:42
